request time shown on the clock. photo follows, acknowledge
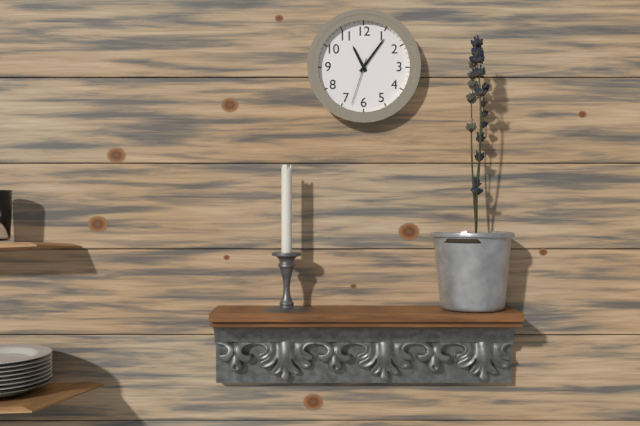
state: 11:06
